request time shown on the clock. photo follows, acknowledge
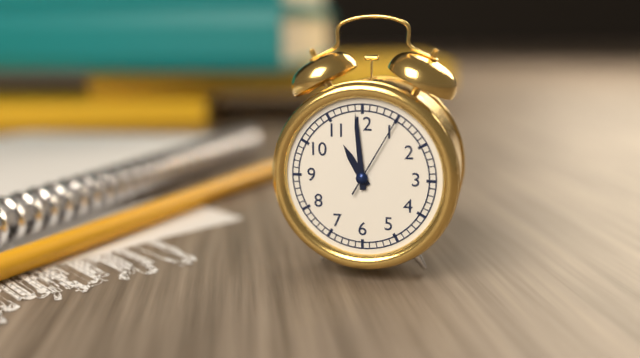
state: 10:59:05
